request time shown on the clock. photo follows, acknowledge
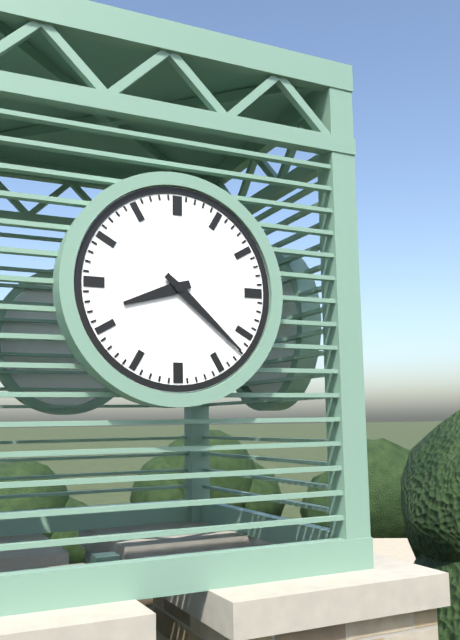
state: 8:22
